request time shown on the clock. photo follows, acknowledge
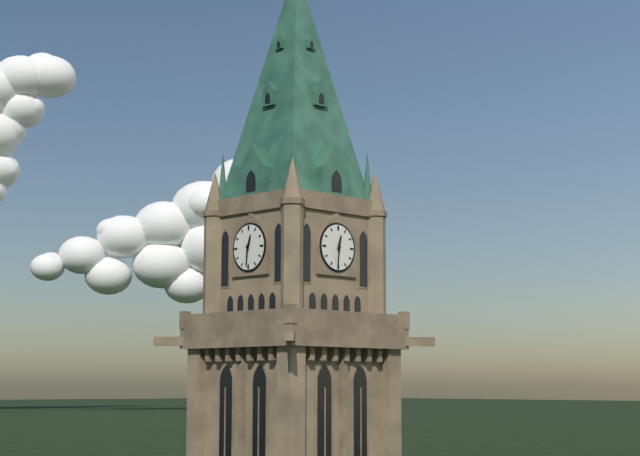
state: 12:31
